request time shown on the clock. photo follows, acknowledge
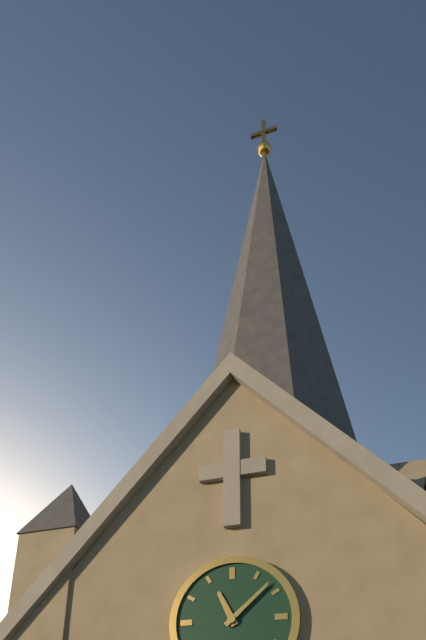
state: 11:08
